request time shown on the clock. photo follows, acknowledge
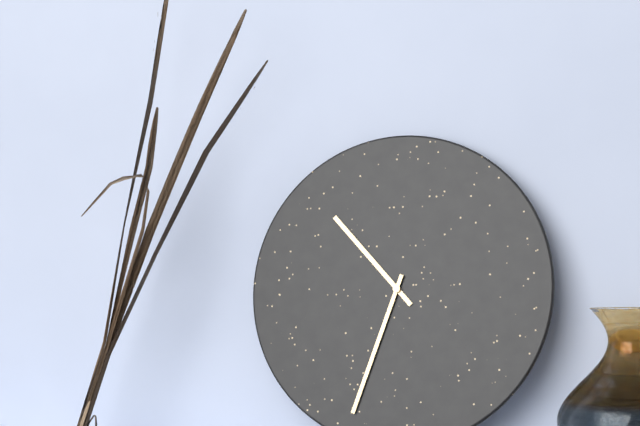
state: 10:33
